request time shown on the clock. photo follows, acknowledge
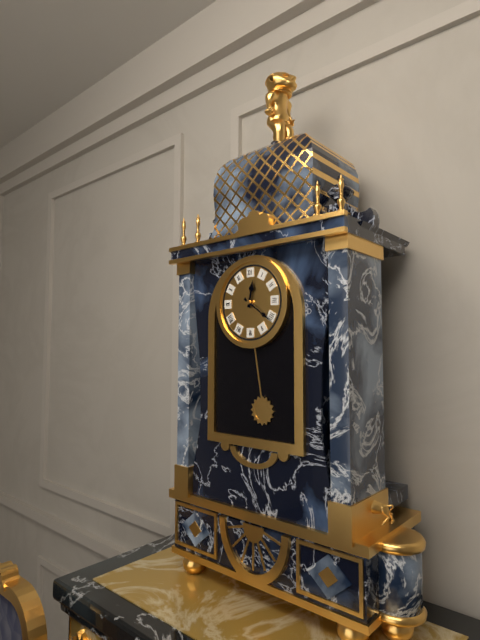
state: 12:21
